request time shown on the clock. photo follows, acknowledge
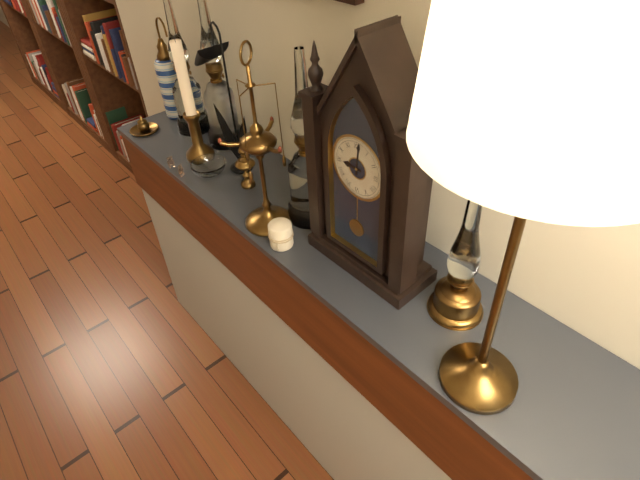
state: 9:01
